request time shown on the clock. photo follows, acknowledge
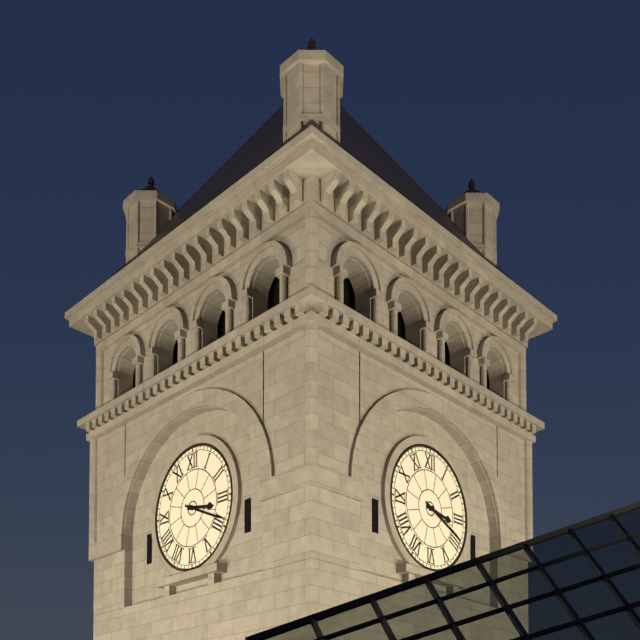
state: 3:19
